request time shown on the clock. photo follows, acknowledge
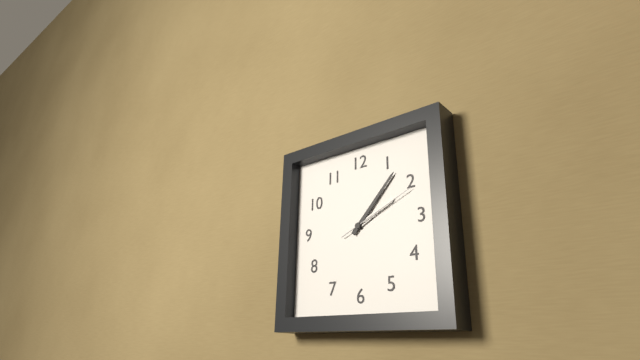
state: 2:07:11
